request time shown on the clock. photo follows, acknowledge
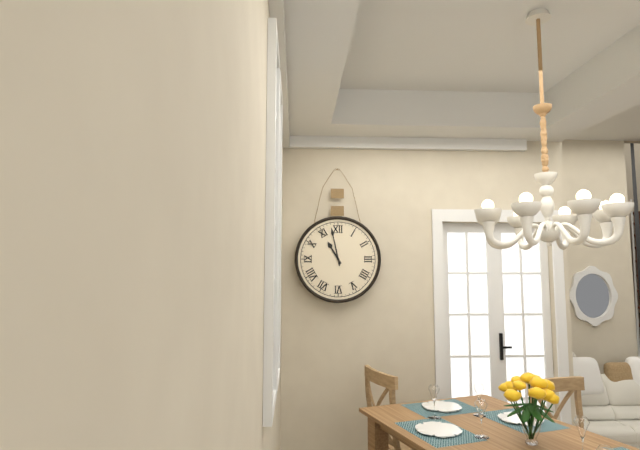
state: 10:58
